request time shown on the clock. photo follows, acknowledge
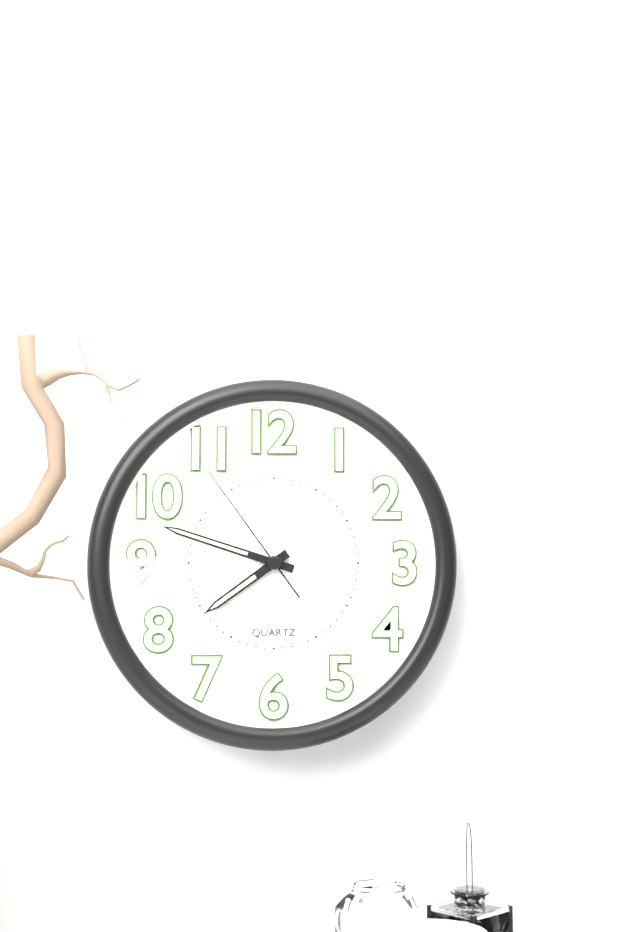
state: 7:48:54
